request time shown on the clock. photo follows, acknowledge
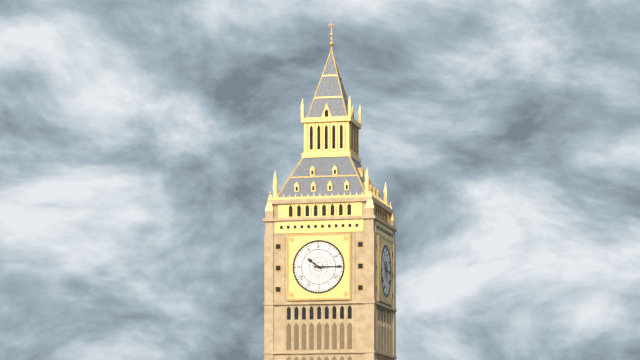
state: 10:15
